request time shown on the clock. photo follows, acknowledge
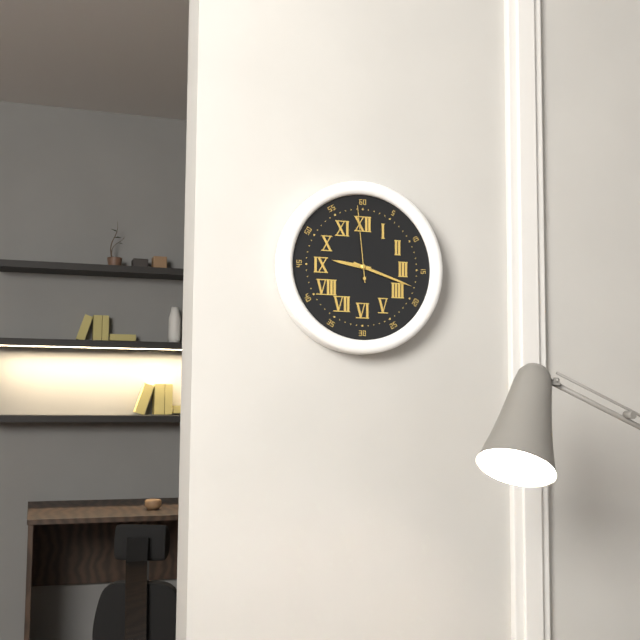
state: 9:18:59
